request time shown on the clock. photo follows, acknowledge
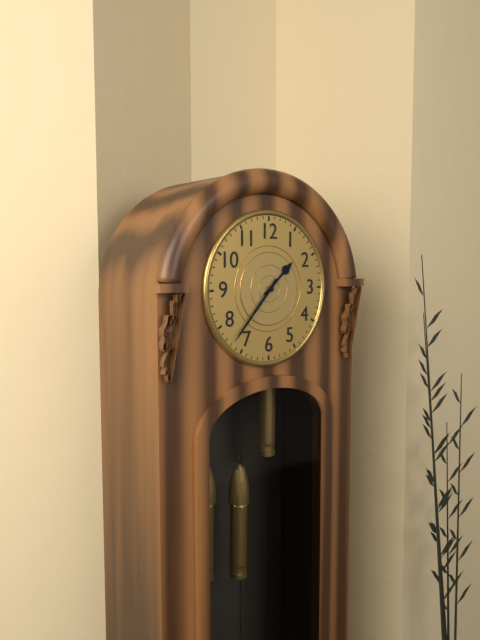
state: 1:37
